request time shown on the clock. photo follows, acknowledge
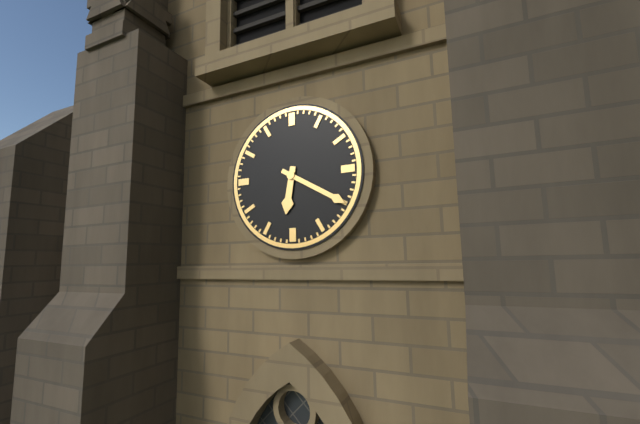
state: 6:20
